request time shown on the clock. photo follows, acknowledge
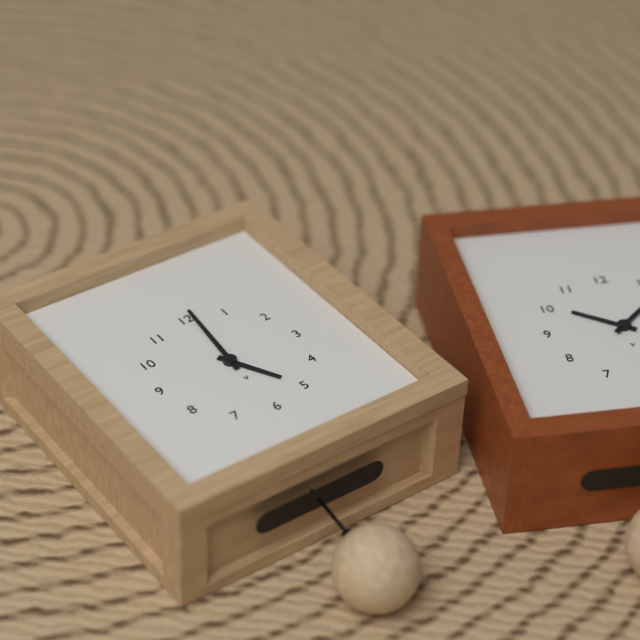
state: 5:01
